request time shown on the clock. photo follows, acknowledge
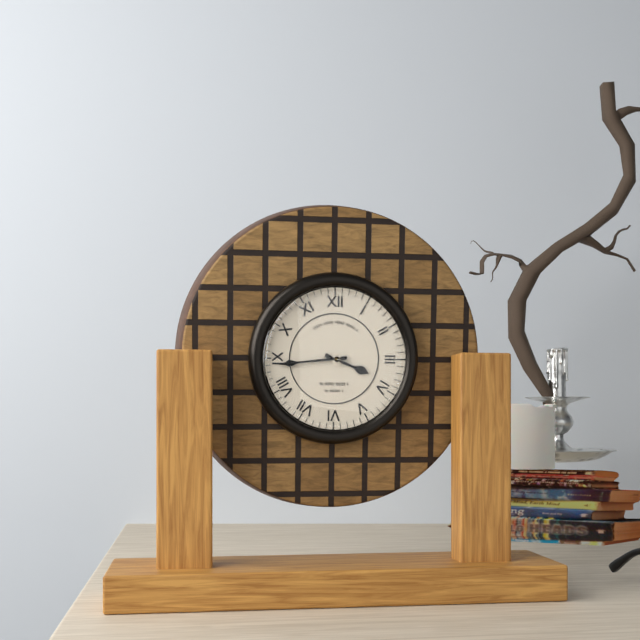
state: 3:44
